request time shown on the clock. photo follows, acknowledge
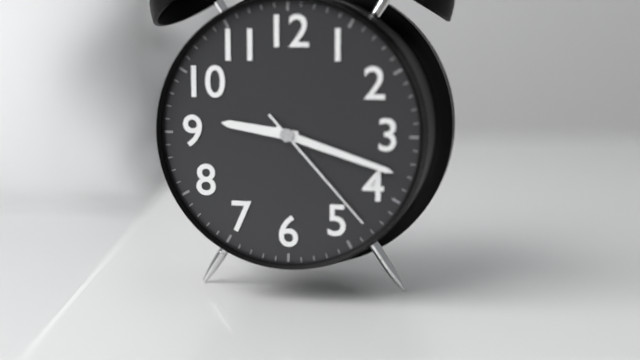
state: 9:18:23
